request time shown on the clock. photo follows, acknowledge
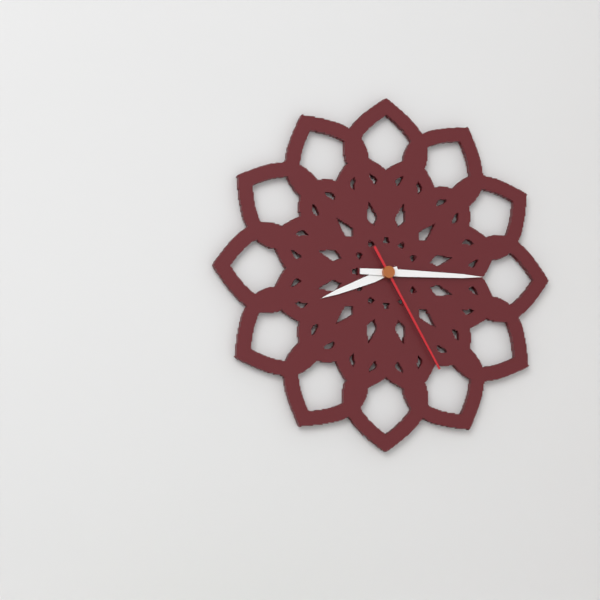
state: 8:15:25
